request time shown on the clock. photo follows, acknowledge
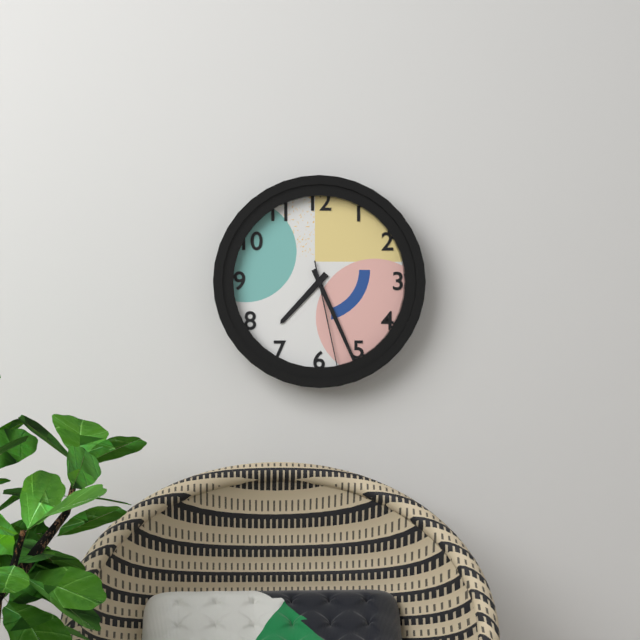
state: 7:26:28
